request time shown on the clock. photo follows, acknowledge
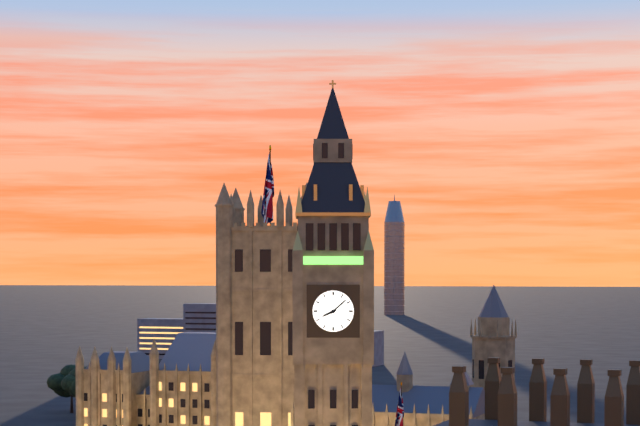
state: 8:08
